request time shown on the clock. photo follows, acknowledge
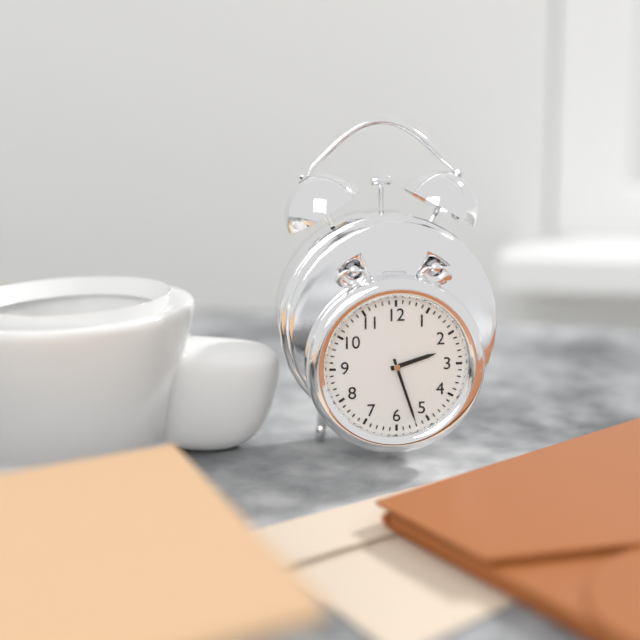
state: 2:27
